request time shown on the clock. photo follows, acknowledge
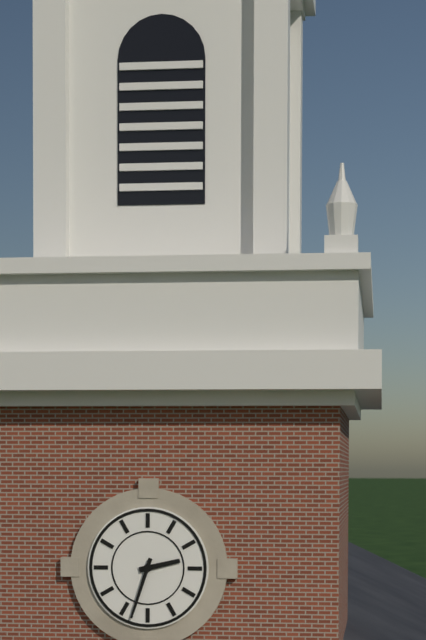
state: 2:33
